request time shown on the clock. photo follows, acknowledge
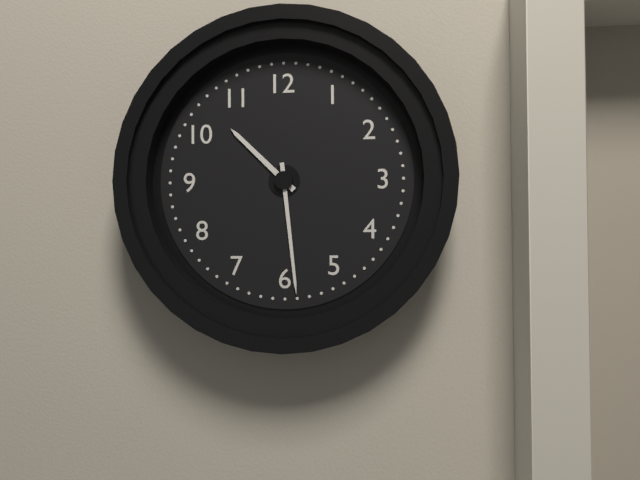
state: 10:29
